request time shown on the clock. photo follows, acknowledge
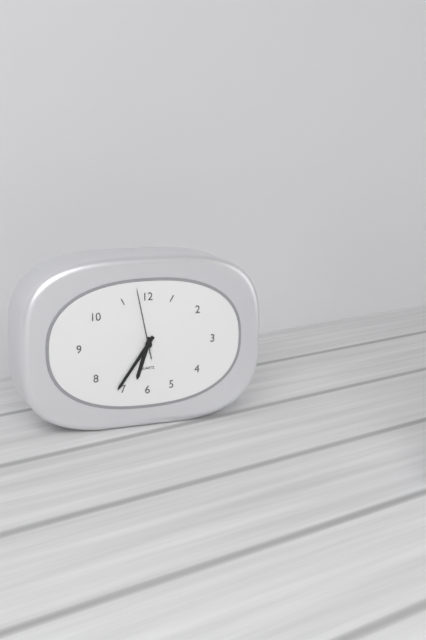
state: 6:36:58
